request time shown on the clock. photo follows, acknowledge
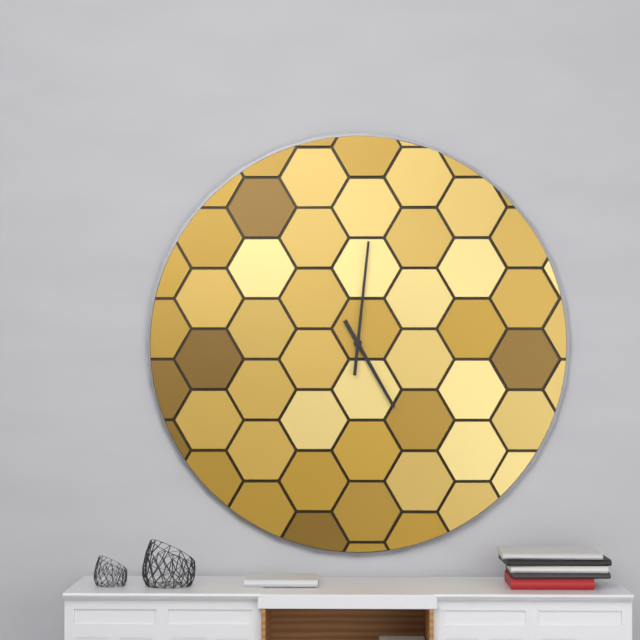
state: 5:01
